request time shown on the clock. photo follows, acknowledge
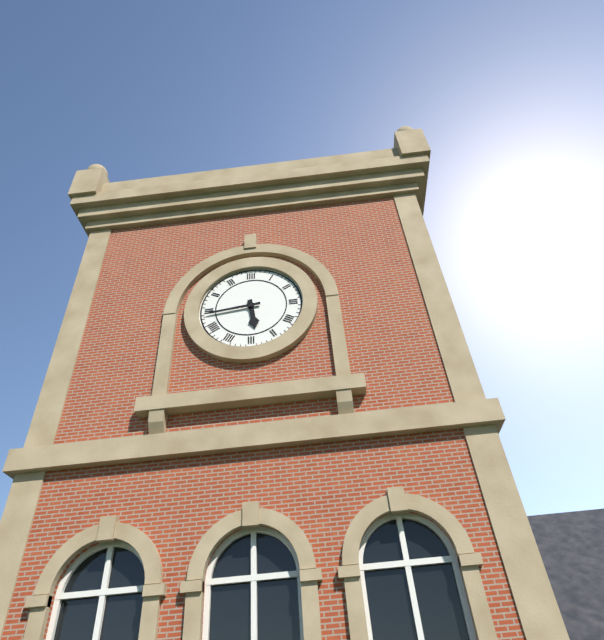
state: 5:44
